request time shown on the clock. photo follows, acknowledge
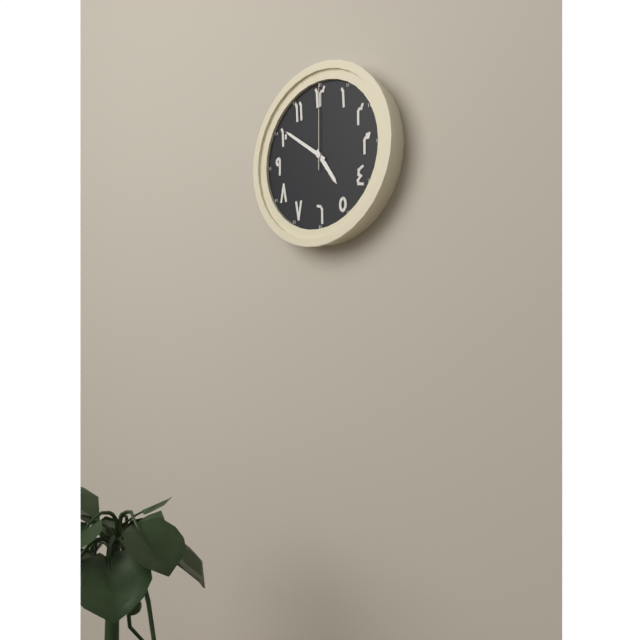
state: 4:51:00
